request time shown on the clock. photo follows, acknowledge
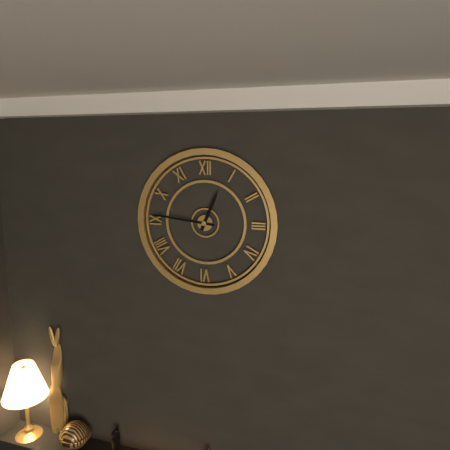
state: 12:46
